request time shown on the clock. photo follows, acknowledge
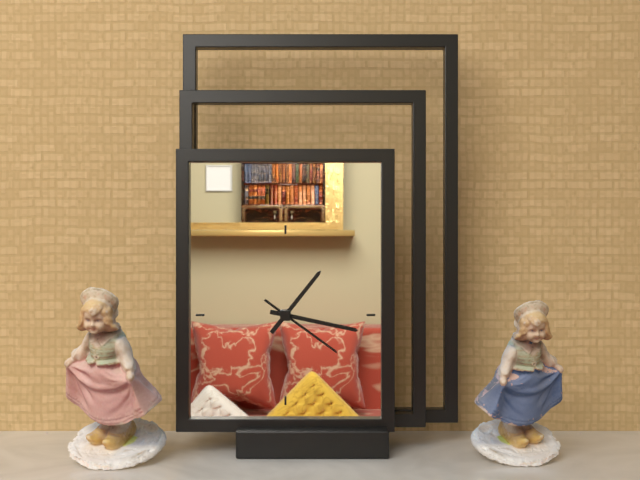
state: 1:17:21
